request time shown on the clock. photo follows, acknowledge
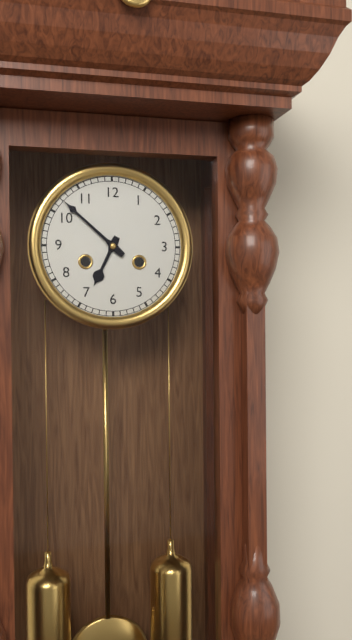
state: 6:52
